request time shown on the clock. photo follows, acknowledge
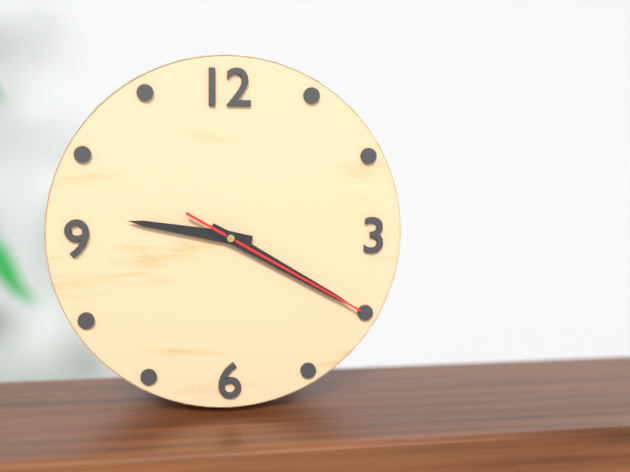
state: 9:20:20
